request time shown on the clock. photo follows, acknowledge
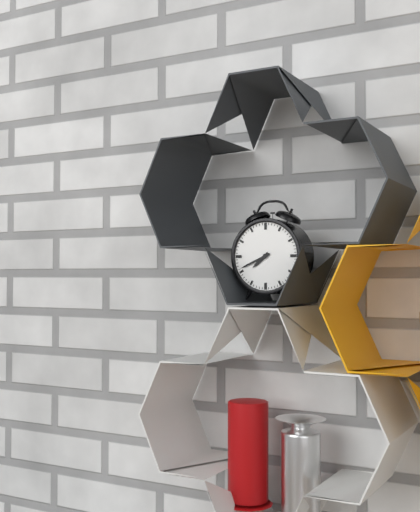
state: 7:41
